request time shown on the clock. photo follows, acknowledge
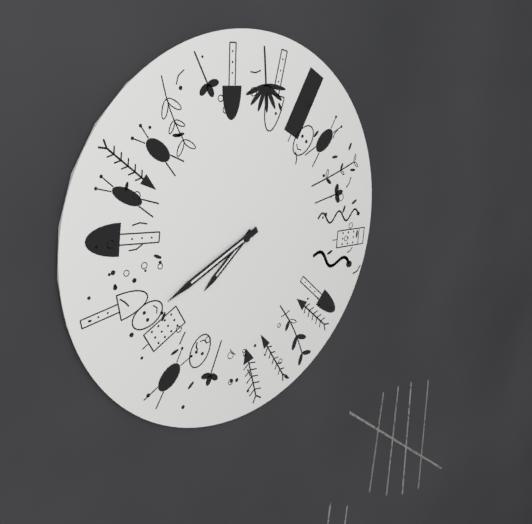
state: 7:41
